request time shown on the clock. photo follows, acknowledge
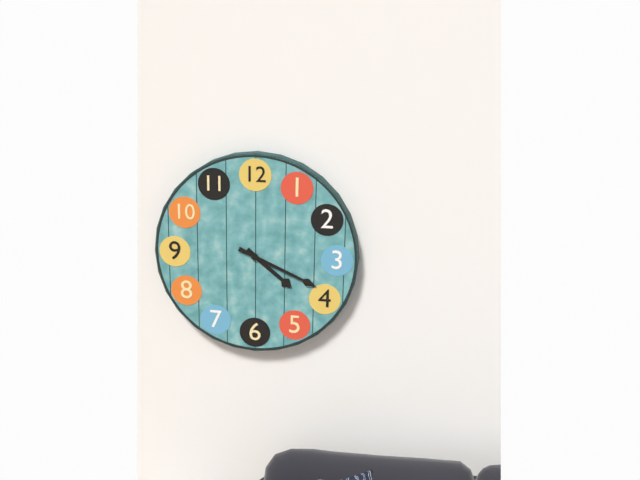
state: 4:19
